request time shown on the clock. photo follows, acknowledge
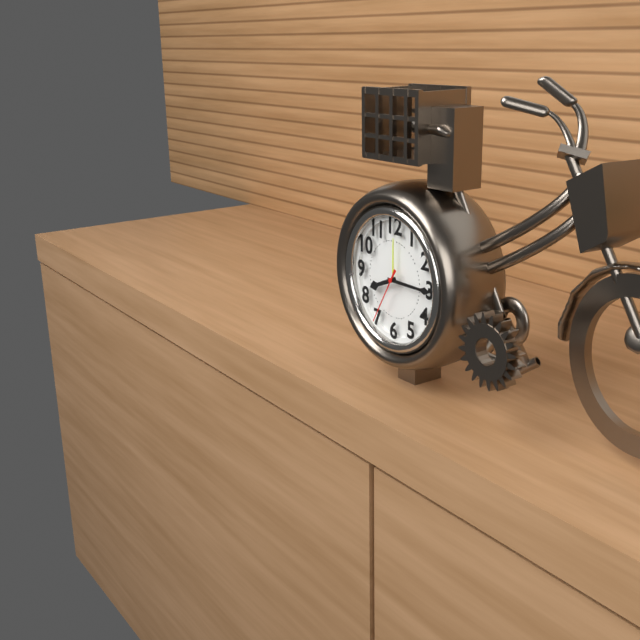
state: 8:15:35
